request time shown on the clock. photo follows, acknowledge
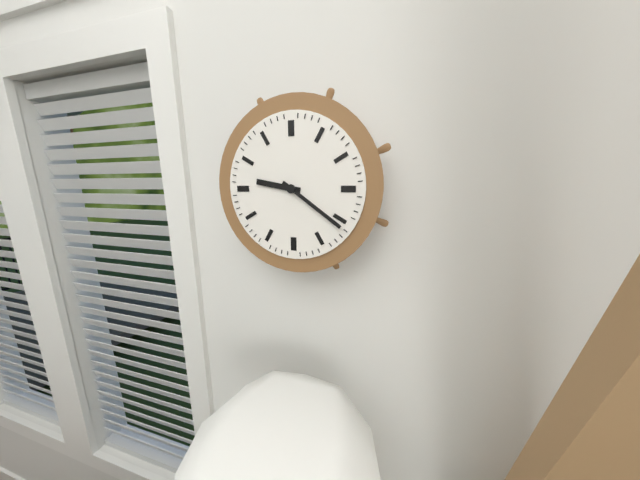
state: 9:21
